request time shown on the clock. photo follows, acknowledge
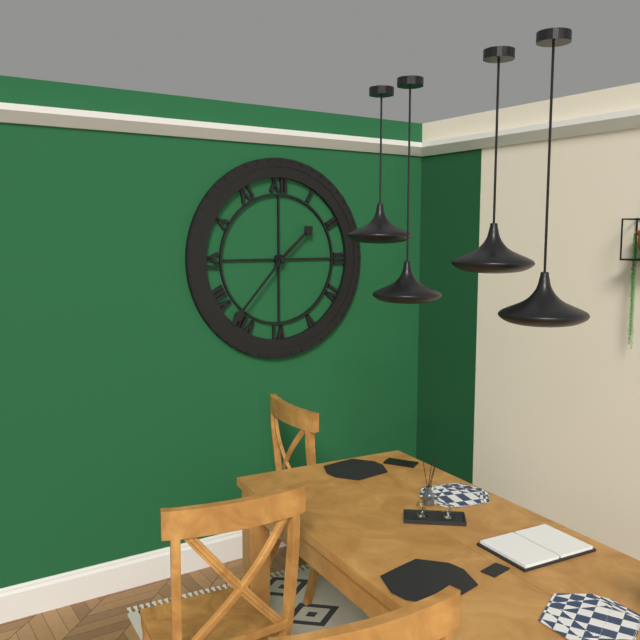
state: 1:37
